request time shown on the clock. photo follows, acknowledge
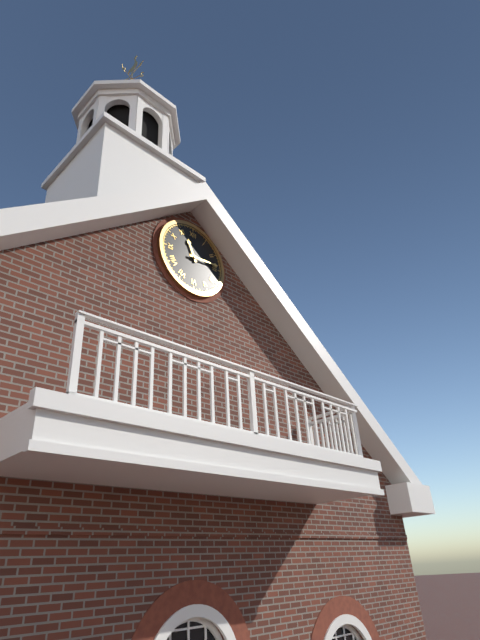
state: 11:14
